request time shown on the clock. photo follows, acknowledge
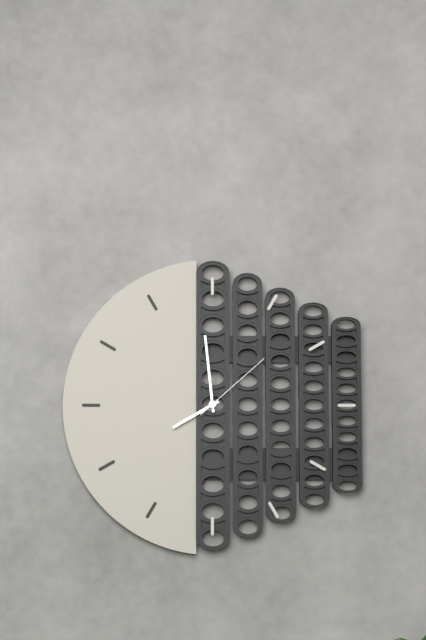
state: 7:59:08
